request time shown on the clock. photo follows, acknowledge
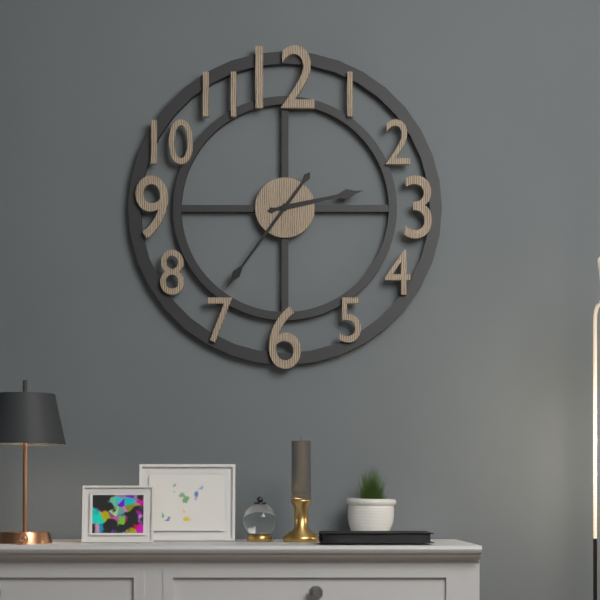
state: 2:36
